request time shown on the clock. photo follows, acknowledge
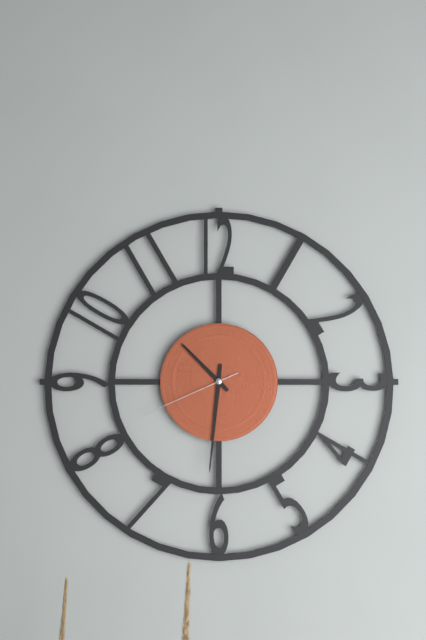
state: 10:31:41
